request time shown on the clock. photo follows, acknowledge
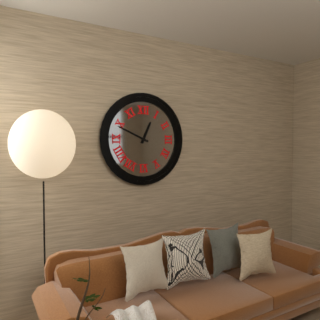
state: 12:49
